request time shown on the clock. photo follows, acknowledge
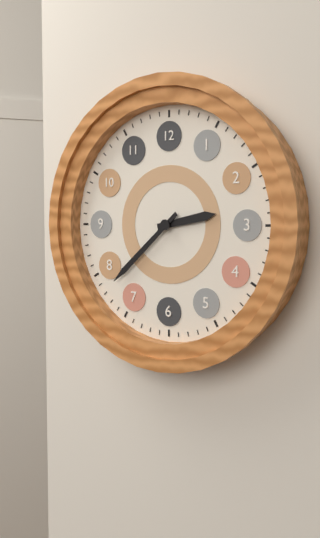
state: 2:38
